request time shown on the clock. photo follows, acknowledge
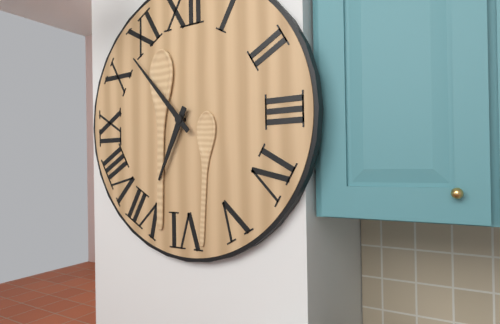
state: 6:53
